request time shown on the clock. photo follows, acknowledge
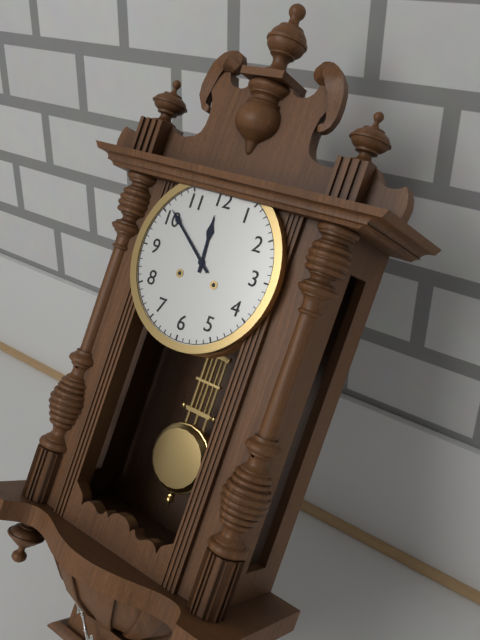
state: 11:51
